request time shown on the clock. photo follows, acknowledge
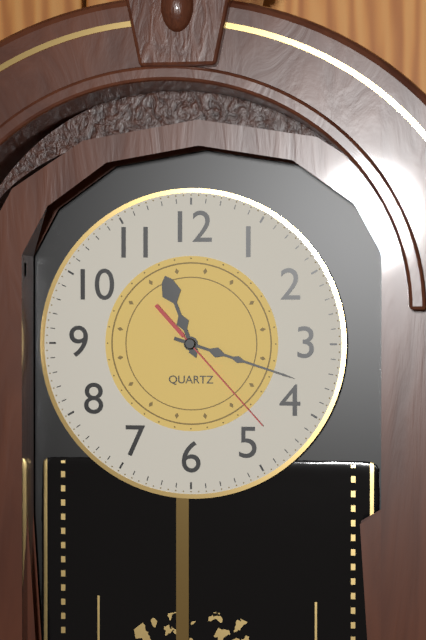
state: 11:18:23
